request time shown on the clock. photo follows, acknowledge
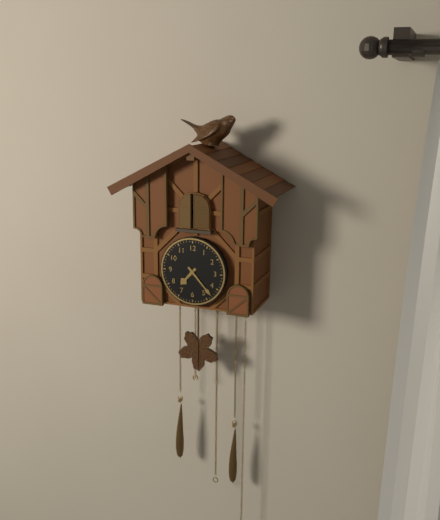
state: 7:23
